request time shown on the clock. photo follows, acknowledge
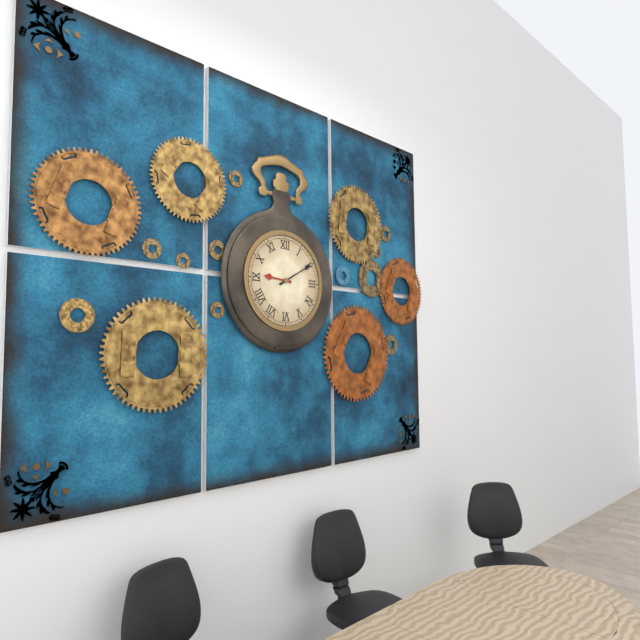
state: 9:10
